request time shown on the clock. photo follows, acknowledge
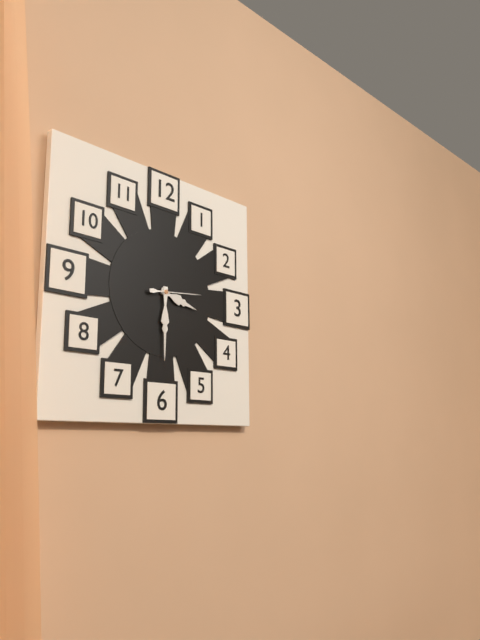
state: 3:30
